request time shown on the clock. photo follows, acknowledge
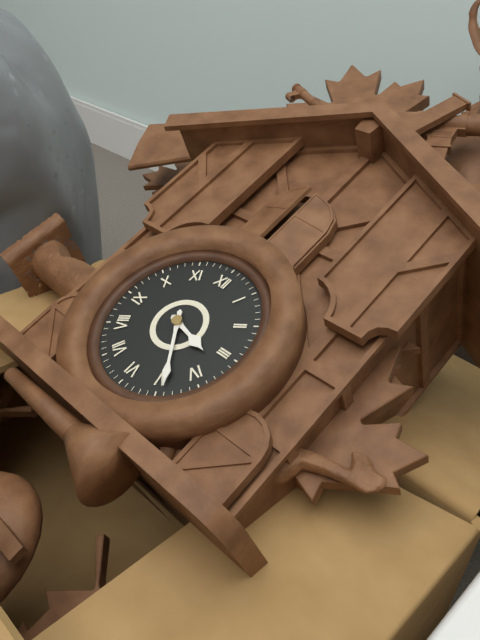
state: 3:24
